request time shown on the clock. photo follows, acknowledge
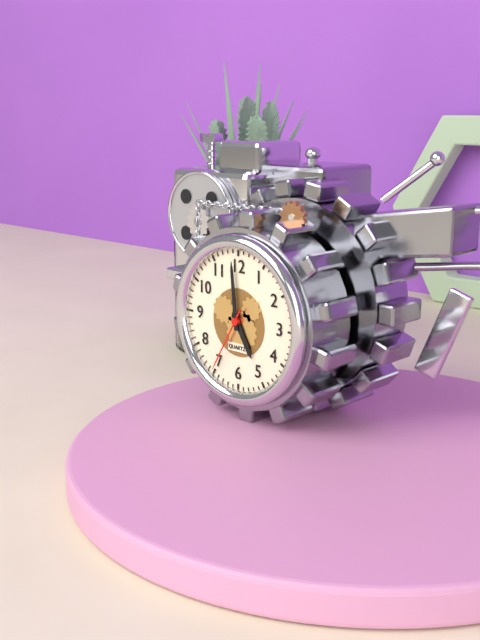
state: 4:59:35
